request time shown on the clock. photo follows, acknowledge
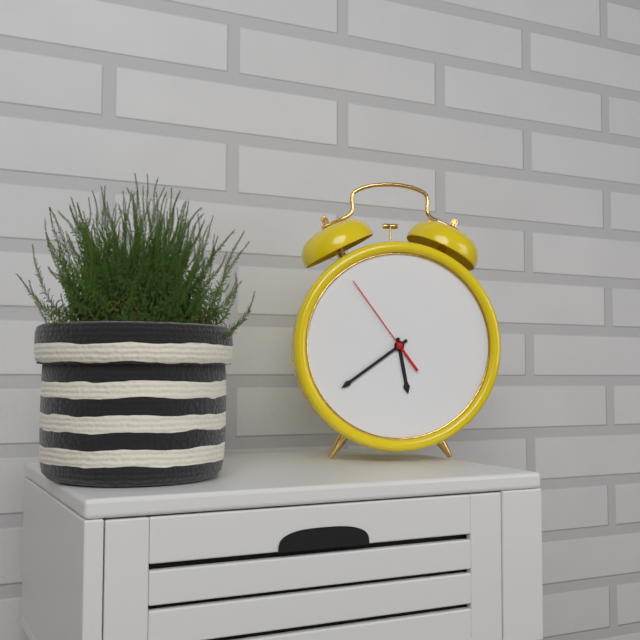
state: 5:39:54
